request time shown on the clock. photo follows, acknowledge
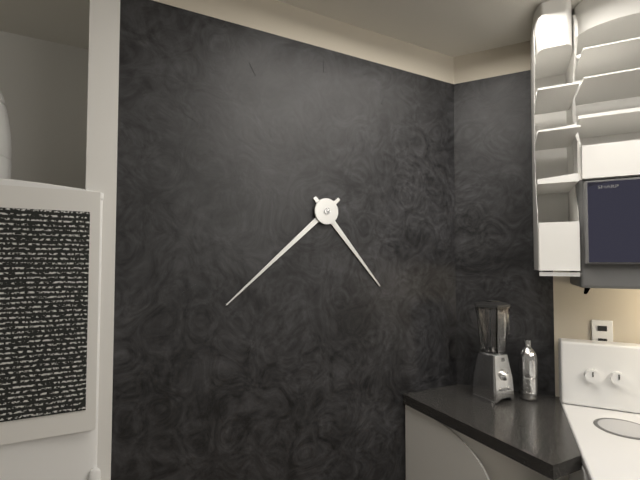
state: 4:38
